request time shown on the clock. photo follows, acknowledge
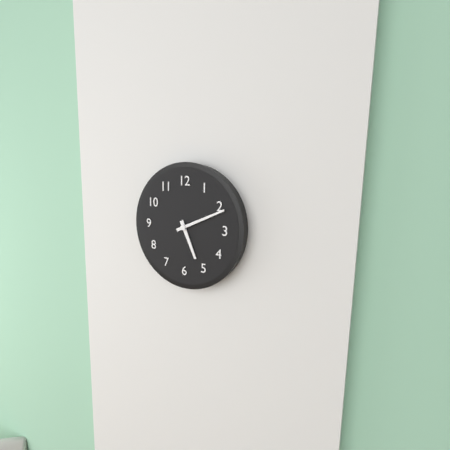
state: 5:11
